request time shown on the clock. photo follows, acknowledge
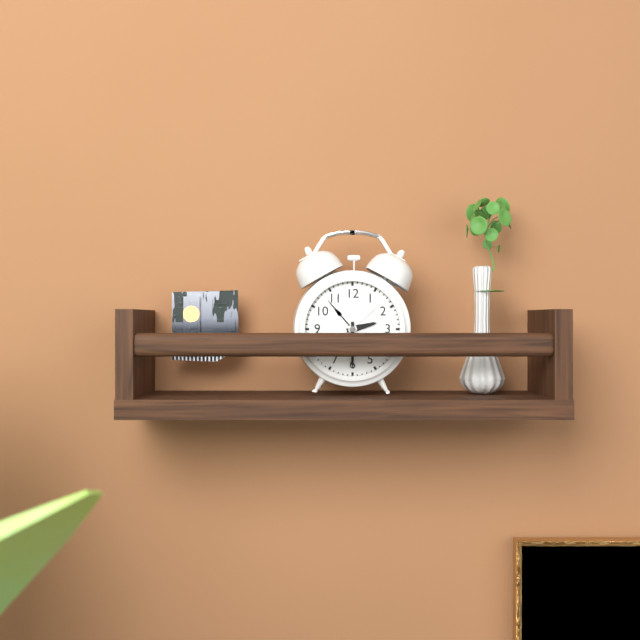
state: 2:30
